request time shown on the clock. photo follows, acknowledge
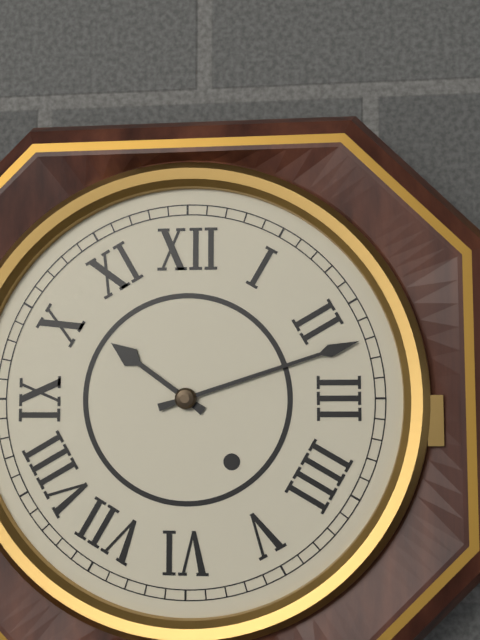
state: 10:12
